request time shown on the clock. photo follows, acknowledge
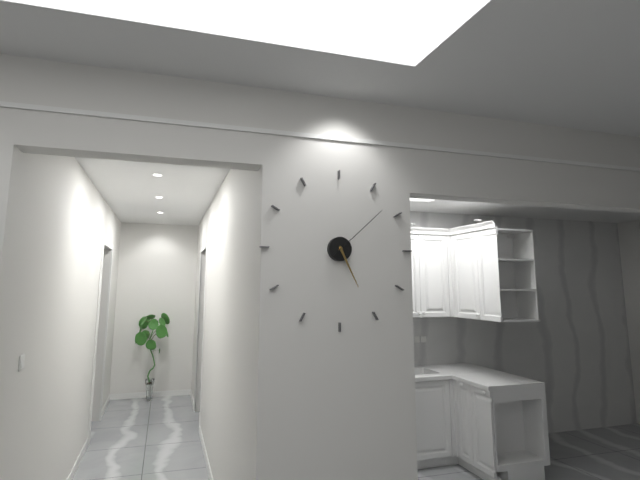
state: 5:08
